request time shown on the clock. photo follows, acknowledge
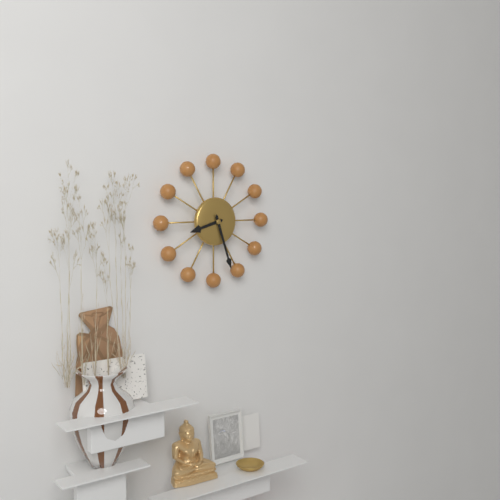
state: 8:27
